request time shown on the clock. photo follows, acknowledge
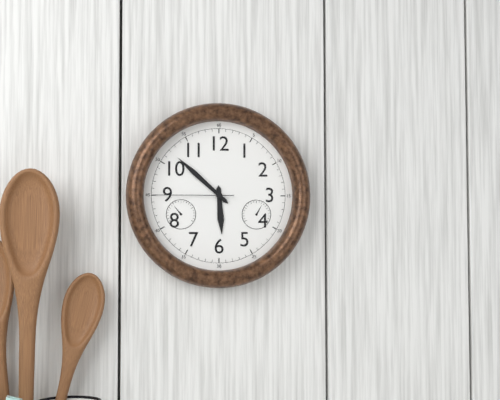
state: 5:52:45
